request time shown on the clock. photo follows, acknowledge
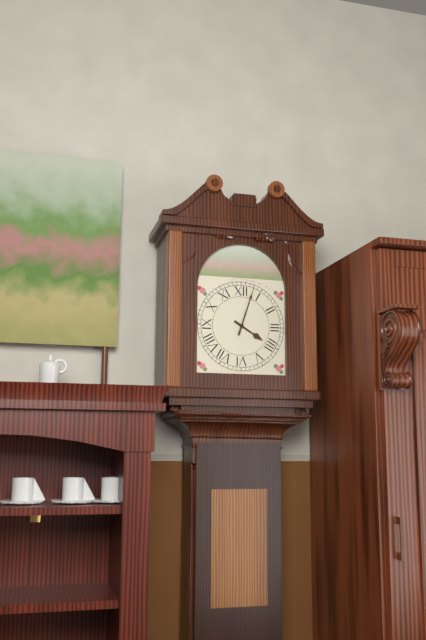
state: 4:03
